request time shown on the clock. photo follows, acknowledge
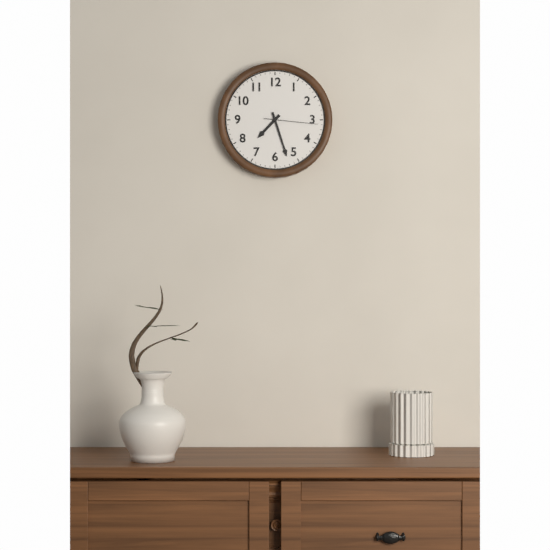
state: 7:27:16
